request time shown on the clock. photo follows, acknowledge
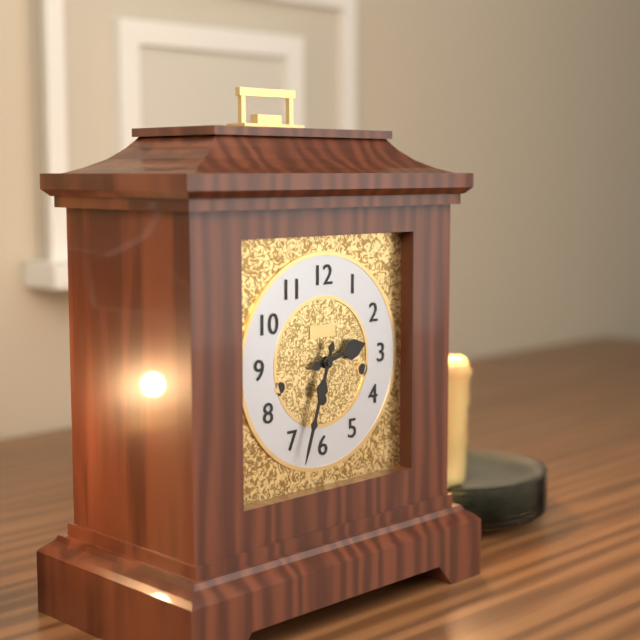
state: 2:33
